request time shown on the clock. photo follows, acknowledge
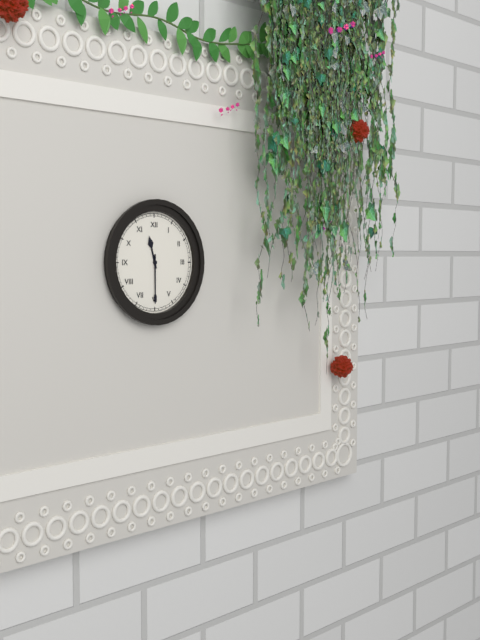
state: 11:30
